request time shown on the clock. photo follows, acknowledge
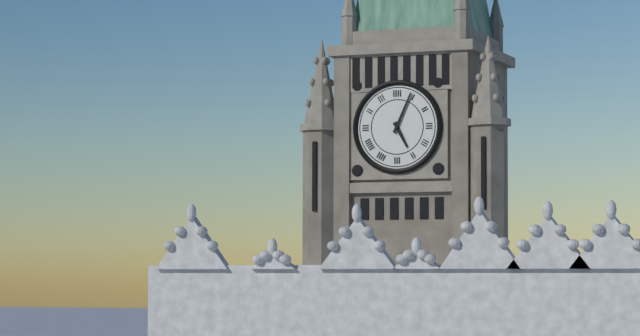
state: 5:04
